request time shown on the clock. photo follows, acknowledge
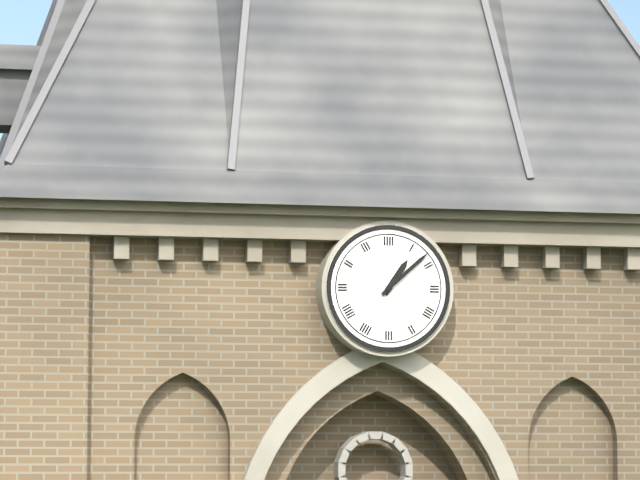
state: 1:08
